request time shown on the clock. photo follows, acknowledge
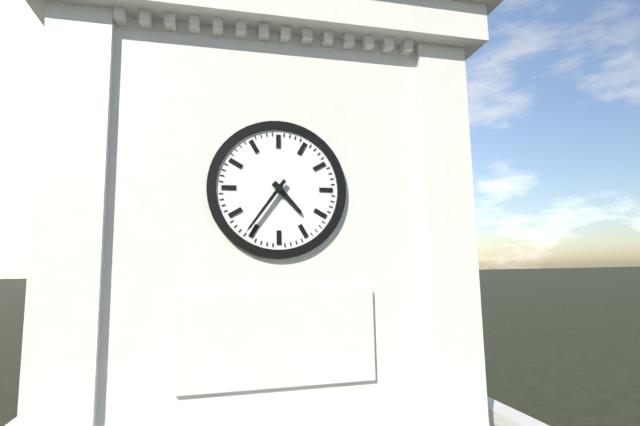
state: 4:36
